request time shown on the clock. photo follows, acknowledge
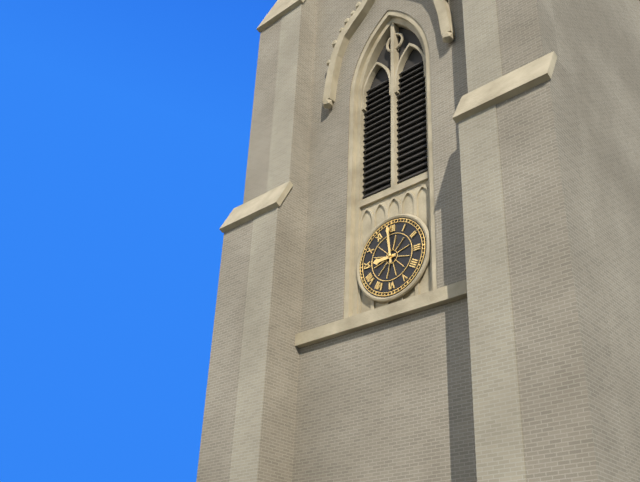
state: 8:59
